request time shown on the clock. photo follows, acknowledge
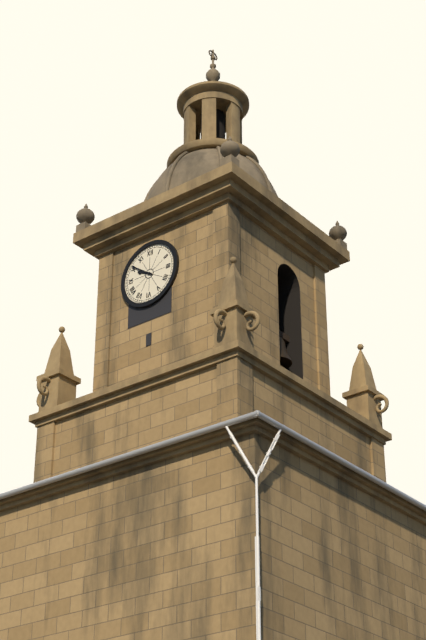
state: 9:51
